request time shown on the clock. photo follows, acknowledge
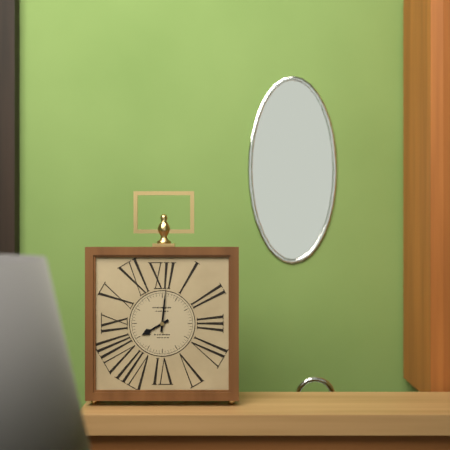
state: 8:01
